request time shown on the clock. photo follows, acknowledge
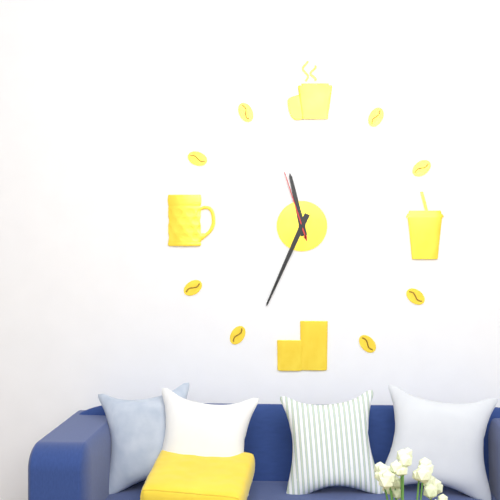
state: 11:34:57
